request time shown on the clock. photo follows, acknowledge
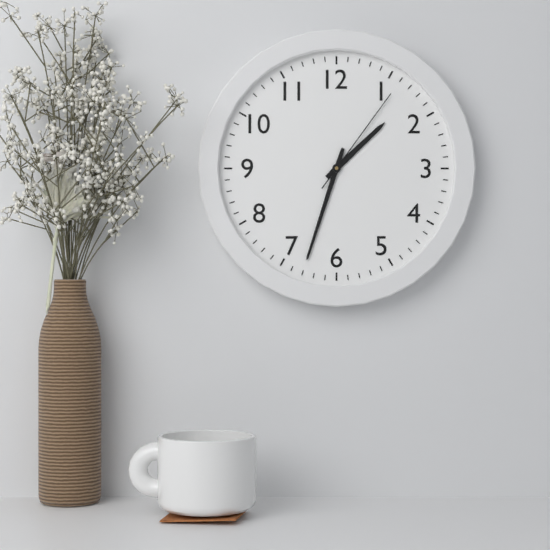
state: 1:33:06
